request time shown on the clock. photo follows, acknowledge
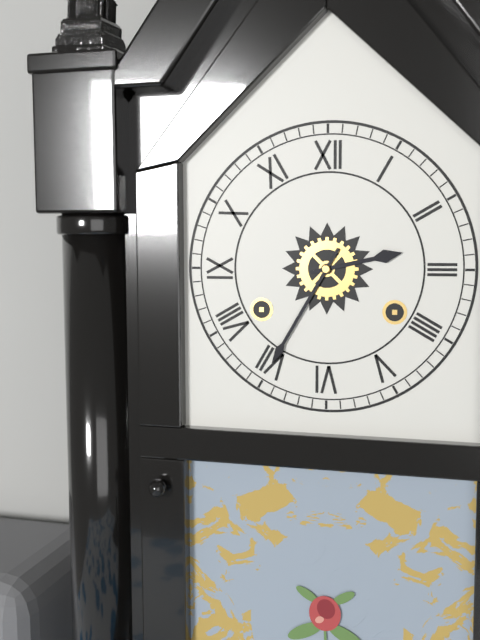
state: 2:35
